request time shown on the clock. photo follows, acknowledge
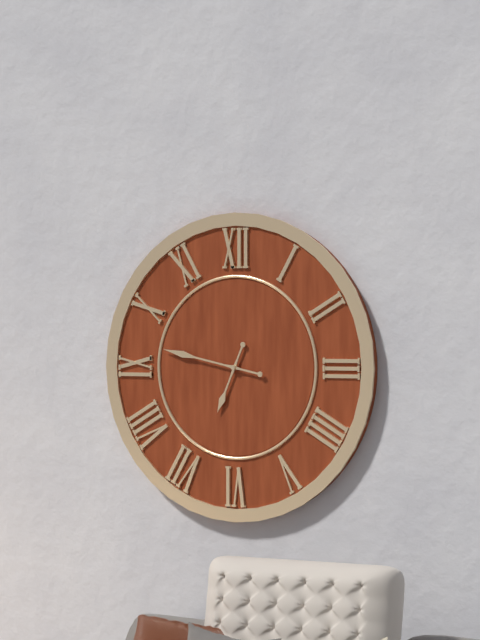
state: 6:47
